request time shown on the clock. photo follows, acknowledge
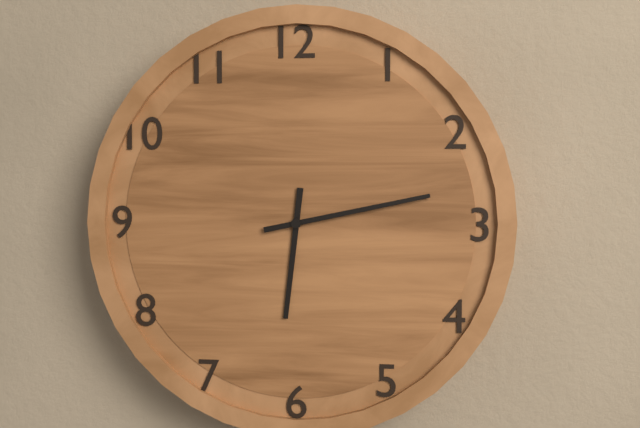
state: 6:13
